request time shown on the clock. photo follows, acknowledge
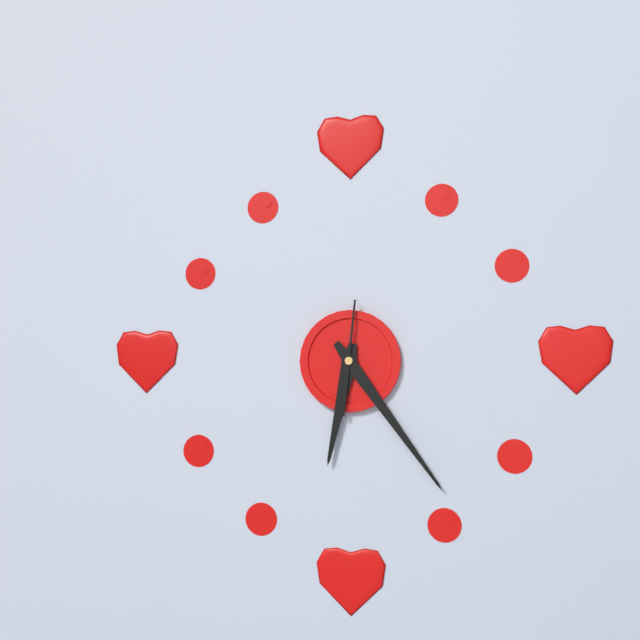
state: 6:24:01
